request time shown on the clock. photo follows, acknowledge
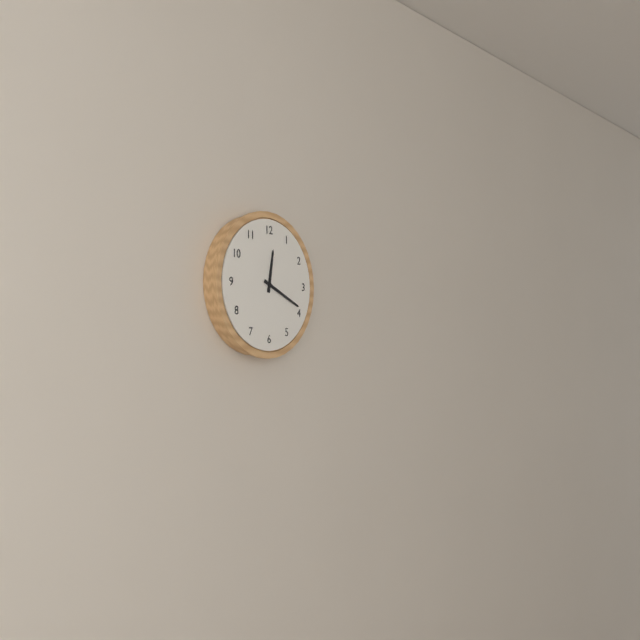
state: 12:19
